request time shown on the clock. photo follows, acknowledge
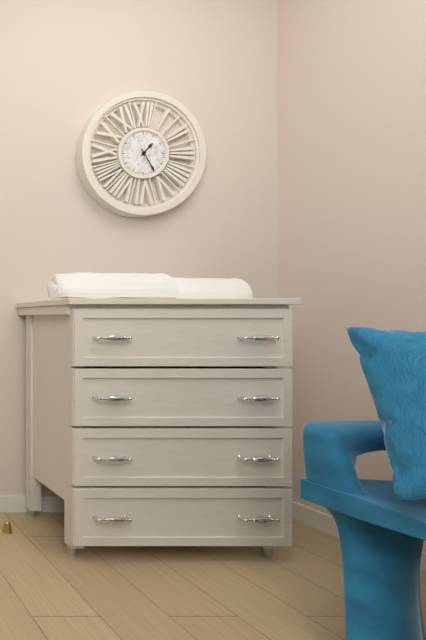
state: 1:25
